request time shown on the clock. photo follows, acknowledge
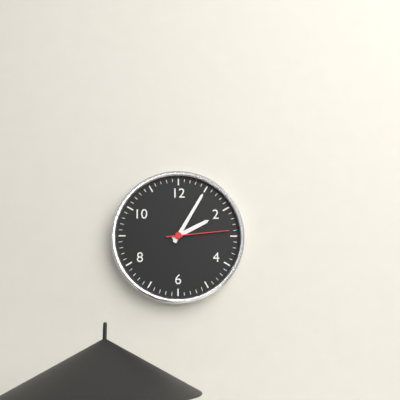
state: 2:05:14
